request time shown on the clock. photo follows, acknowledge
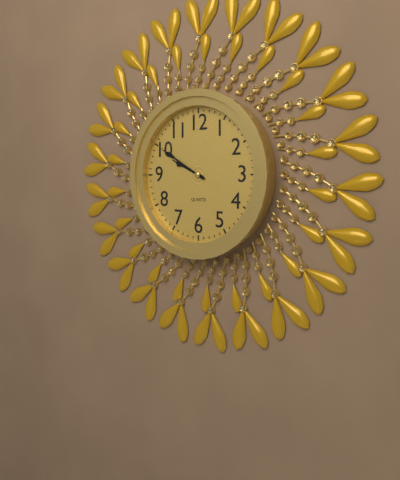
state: 9:50
